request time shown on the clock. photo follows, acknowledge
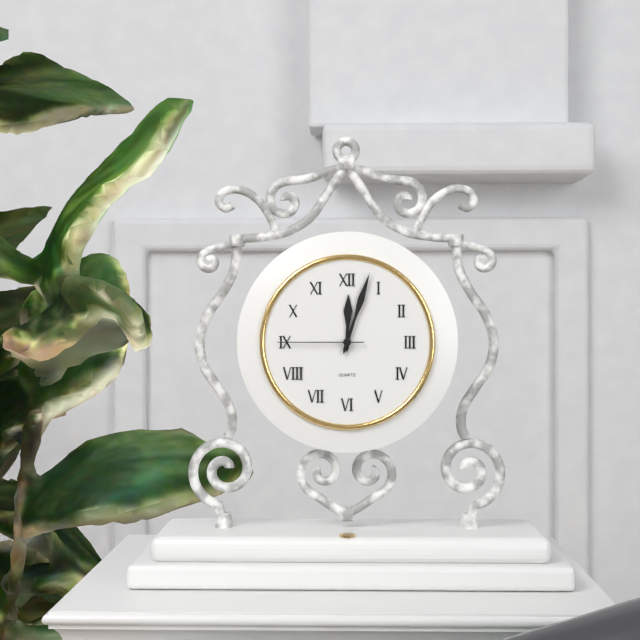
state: 12:03:45
